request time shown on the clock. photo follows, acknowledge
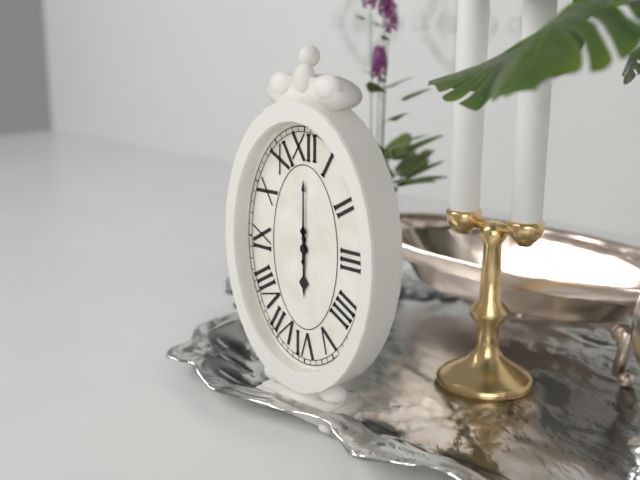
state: 6:00
